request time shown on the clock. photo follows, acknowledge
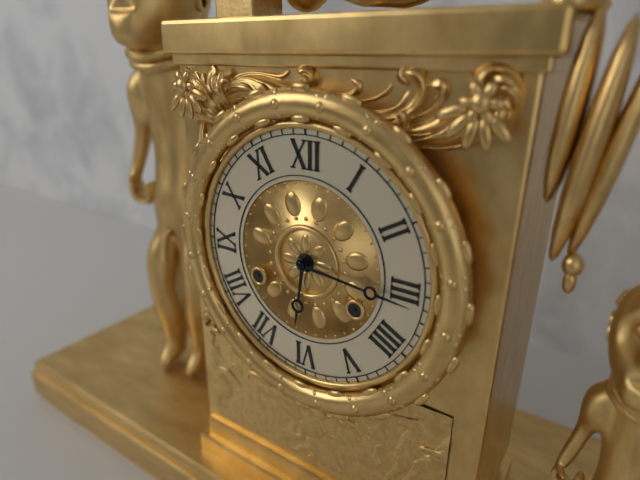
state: 6:16
